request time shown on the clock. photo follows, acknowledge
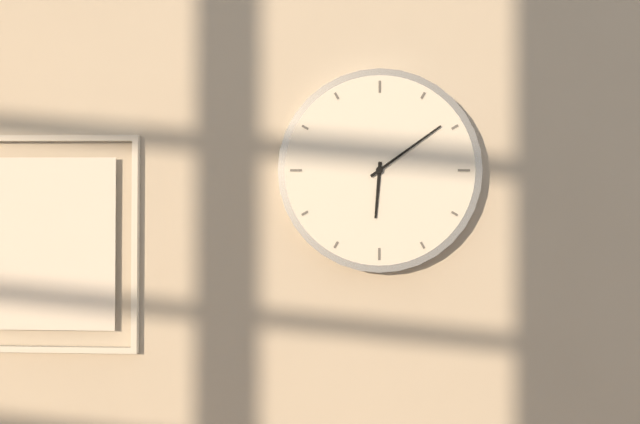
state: 6:09
